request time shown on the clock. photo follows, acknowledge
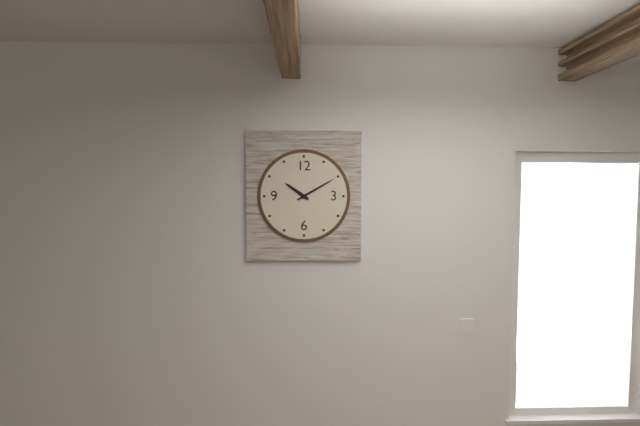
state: 10:10
